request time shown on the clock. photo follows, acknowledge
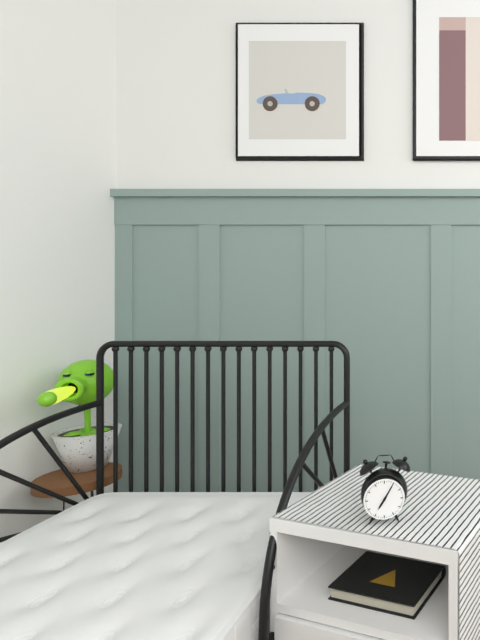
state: 7:05
